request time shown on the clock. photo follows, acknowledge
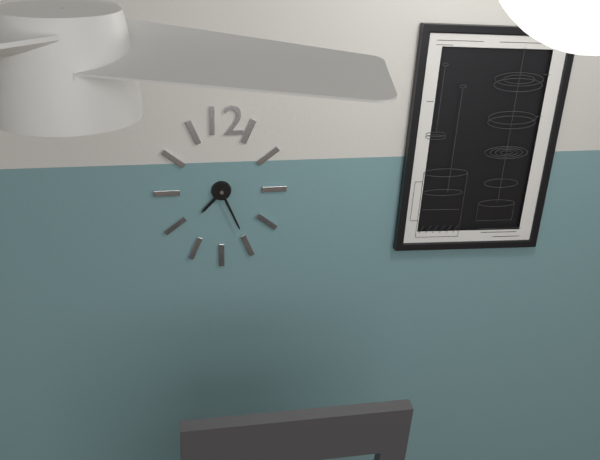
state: 7:26
